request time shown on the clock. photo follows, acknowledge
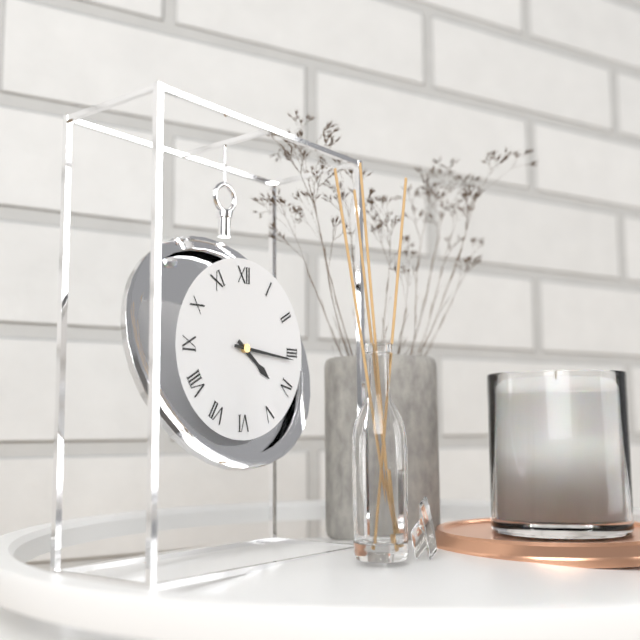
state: 4:16
